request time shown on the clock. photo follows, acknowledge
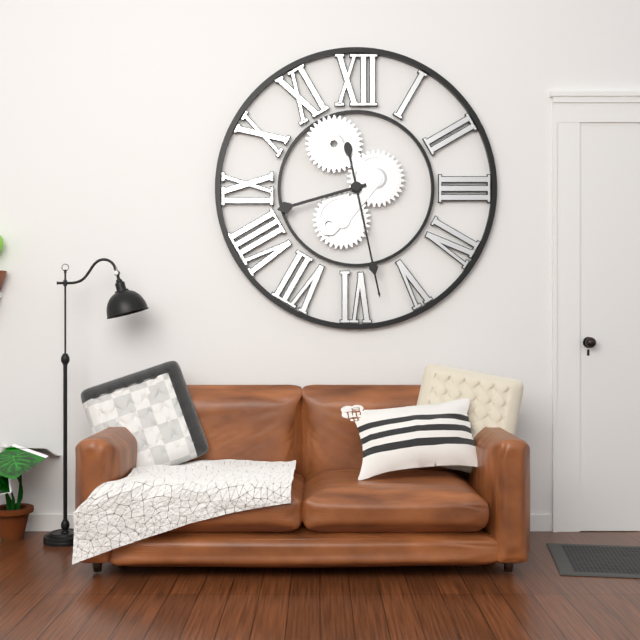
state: 8:28
